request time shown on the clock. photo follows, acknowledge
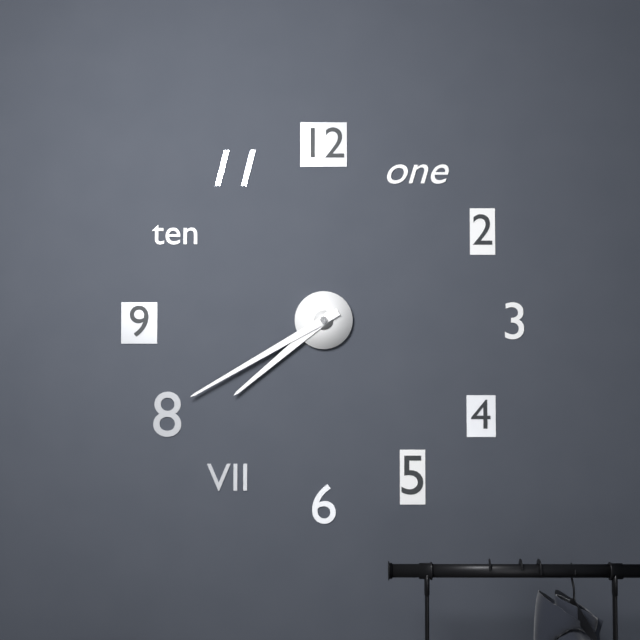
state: 7:40
